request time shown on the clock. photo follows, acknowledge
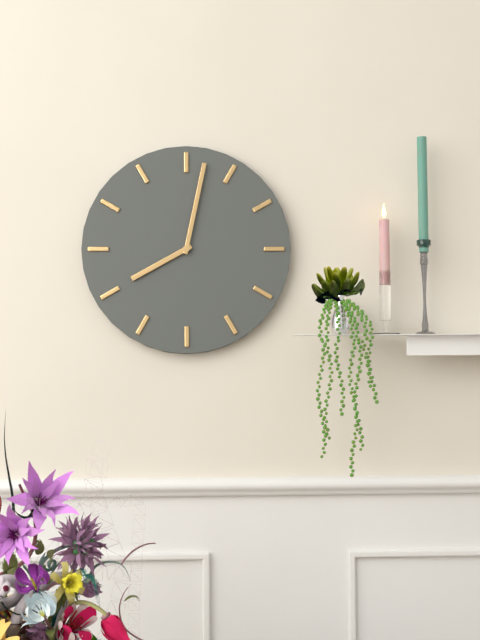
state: 8:02
